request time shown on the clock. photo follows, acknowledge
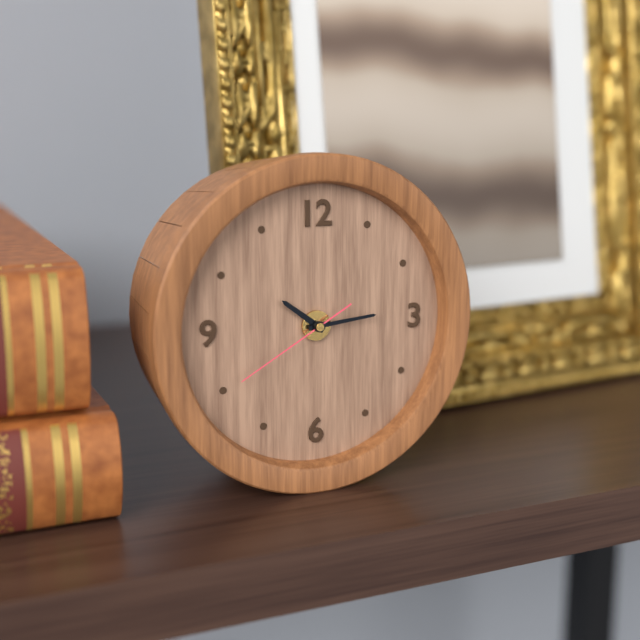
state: 10:14:40
